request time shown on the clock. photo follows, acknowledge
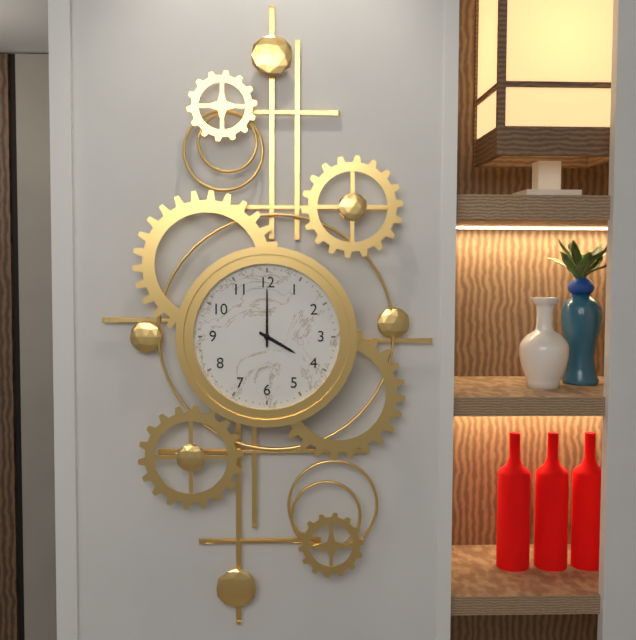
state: 4:00
